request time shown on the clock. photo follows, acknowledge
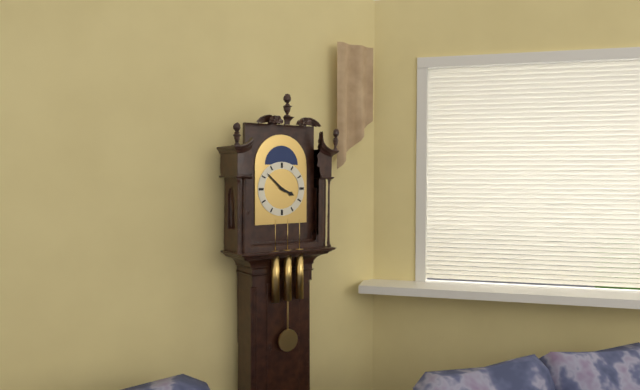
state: 3:52
